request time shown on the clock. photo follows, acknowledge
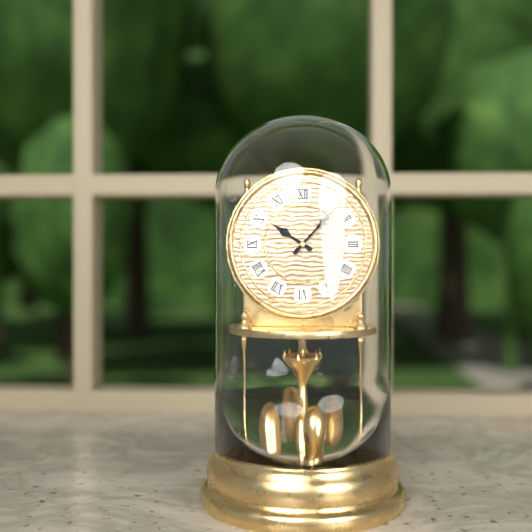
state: 10:07
